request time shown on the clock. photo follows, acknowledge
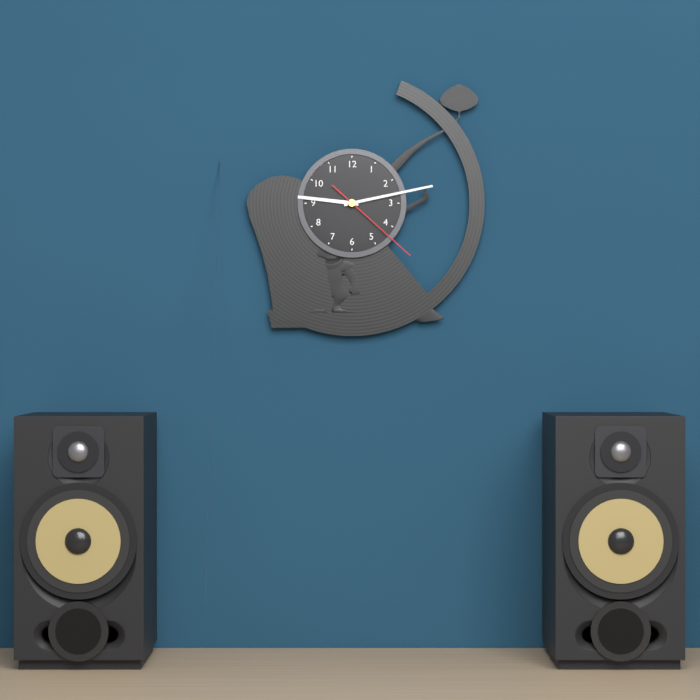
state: 9:13:22
